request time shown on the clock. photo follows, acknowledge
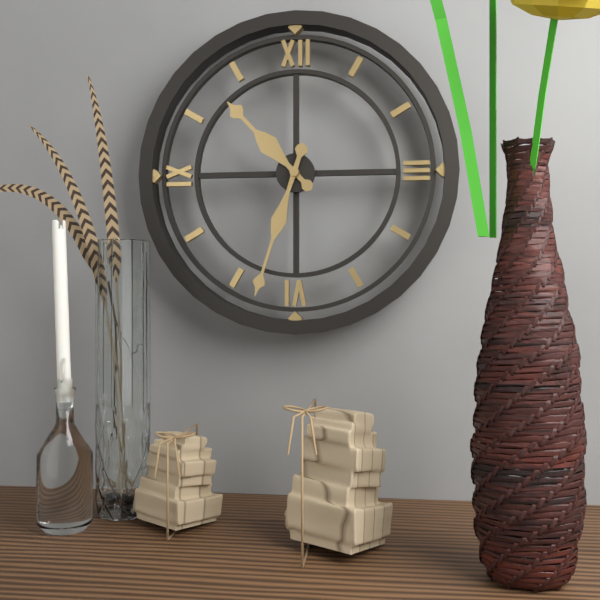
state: 10:33
